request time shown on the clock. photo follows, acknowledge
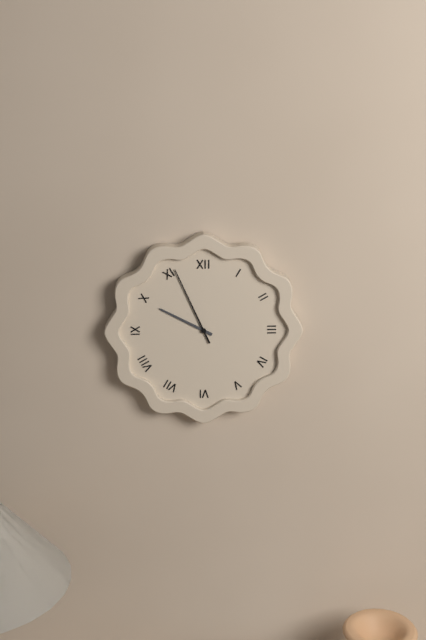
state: 9:56
